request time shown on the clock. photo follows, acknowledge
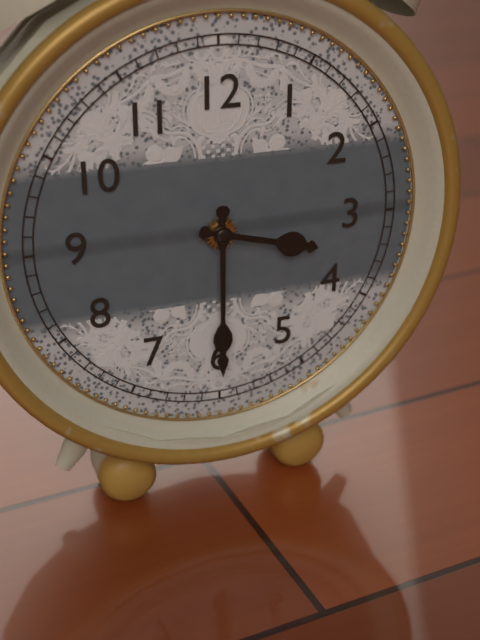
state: 3:30
